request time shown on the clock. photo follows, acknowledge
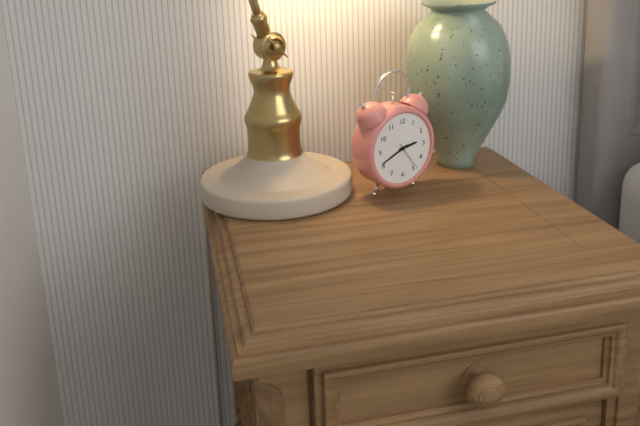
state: 2:41
